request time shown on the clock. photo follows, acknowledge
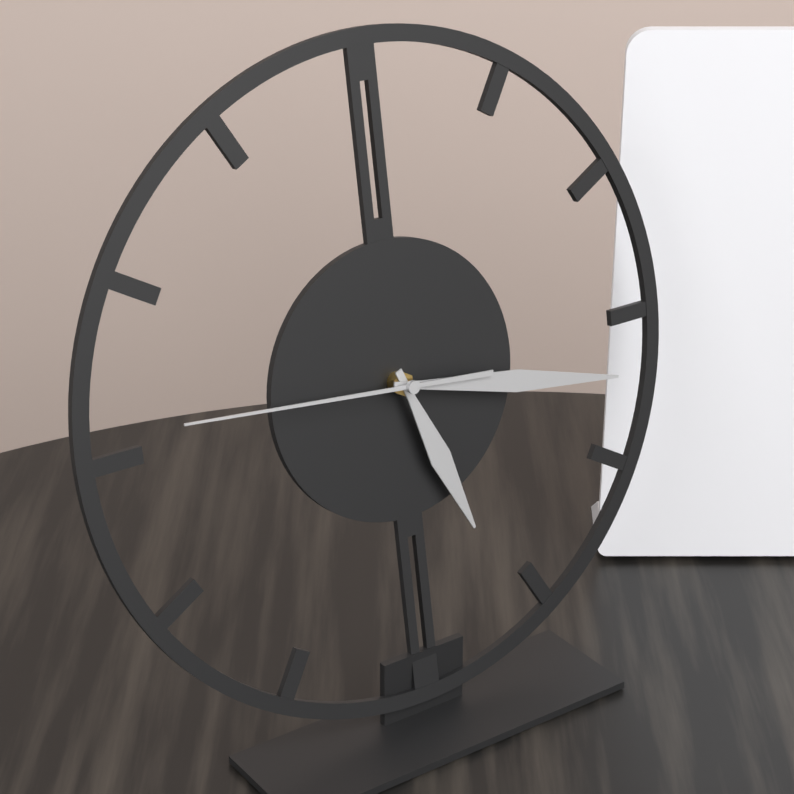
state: 5:17:46
